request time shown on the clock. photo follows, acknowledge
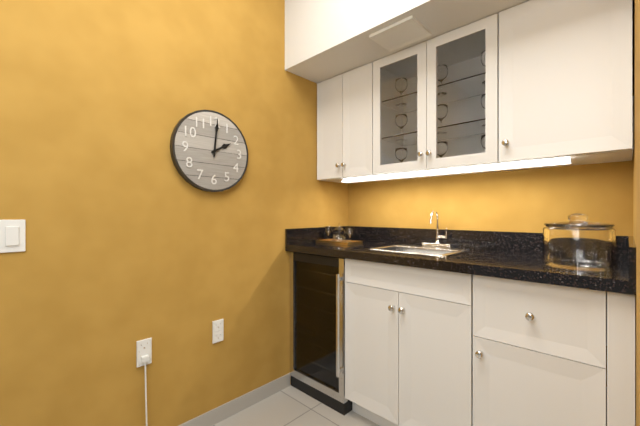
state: 2:01
